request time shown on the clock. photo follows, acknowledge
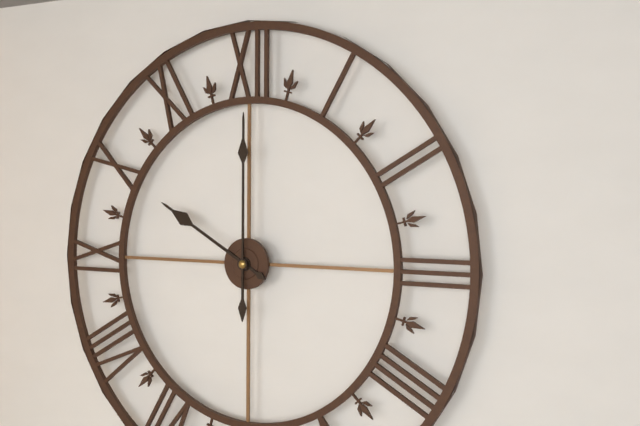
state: 10:00
